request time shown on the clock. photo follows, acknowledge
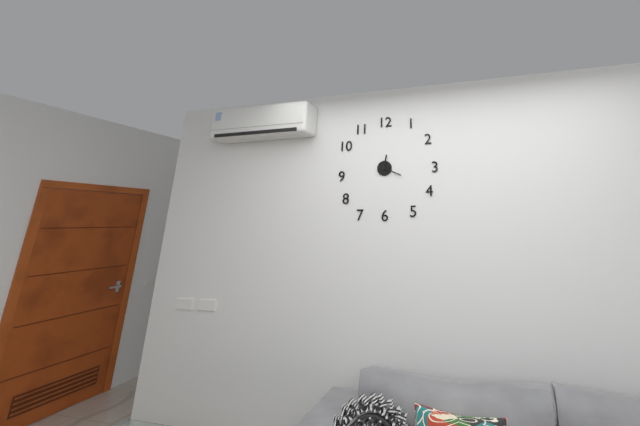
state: 12:19
